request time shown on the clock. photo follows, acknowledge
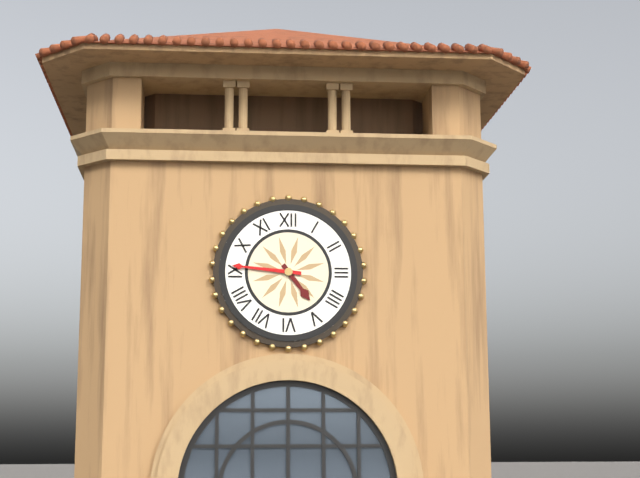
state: 4:46
